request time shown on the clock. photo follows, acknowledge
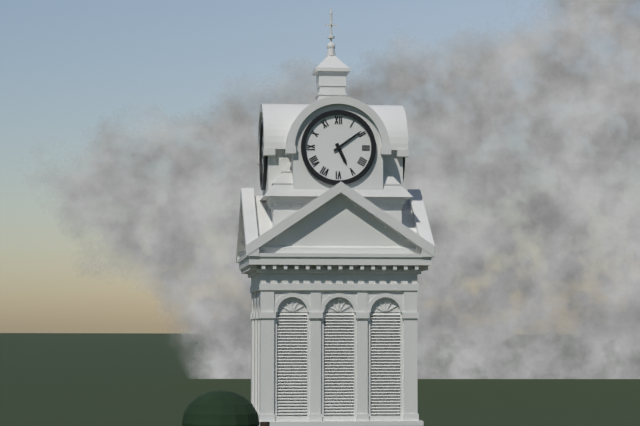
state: 5:09
